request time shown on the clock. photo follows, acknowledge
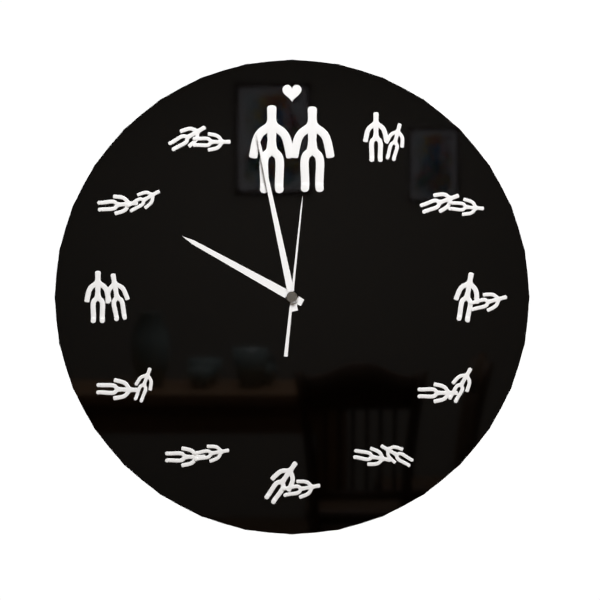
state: 9:58:01
